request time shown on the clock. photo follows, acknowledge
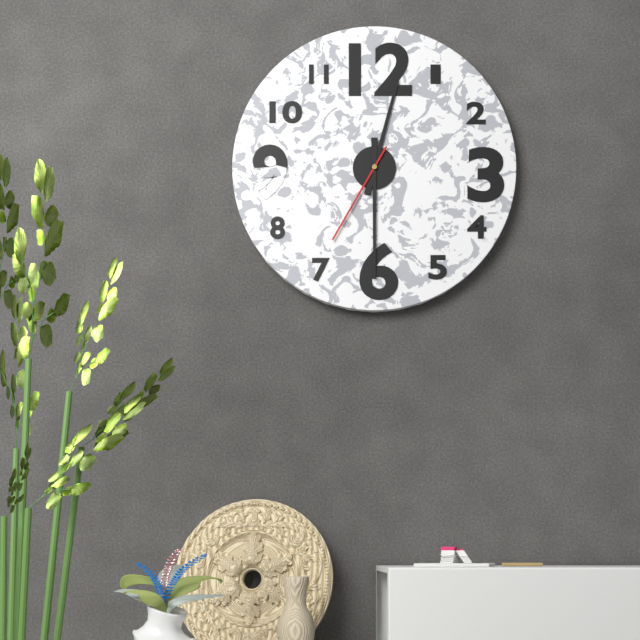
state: 12:30:35
